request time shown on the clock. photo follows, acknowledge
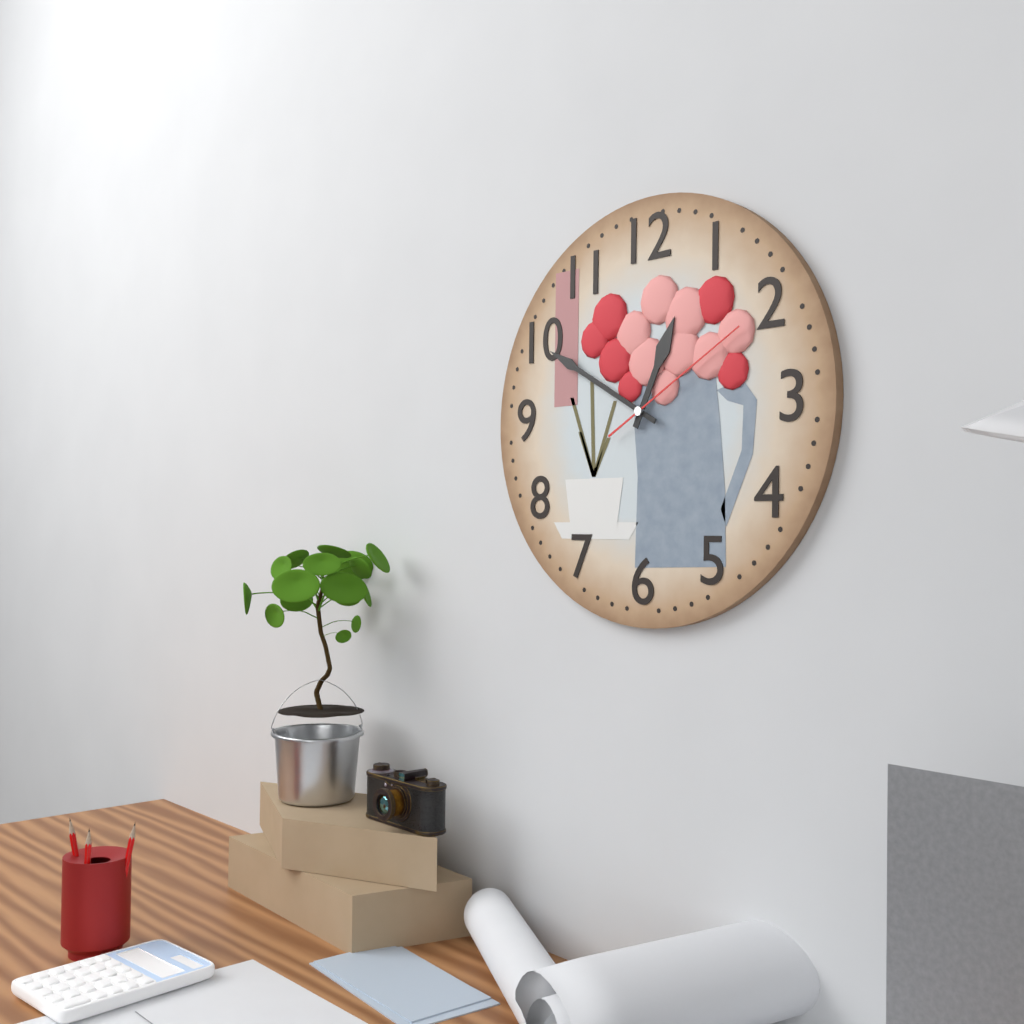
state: 12:50:10
